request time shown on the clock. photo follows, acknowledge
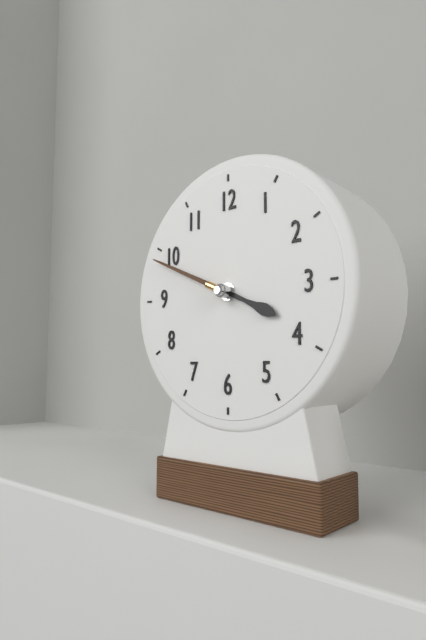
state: 3:49
